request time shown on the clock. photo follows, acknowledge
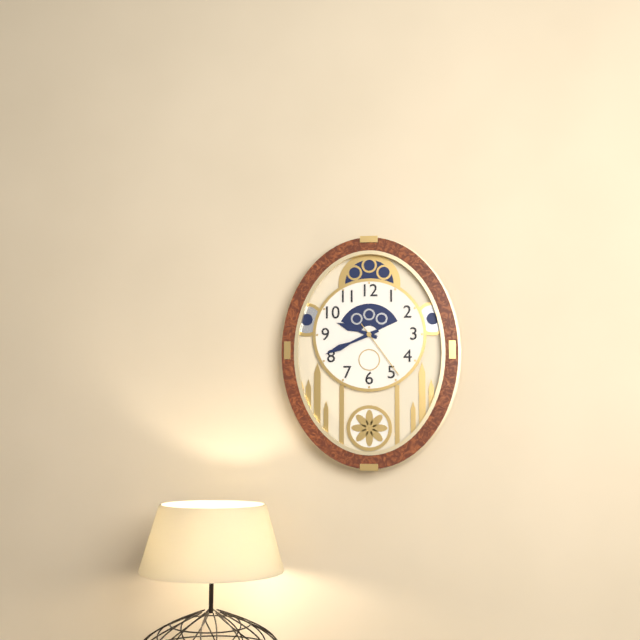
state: 9:41:24
